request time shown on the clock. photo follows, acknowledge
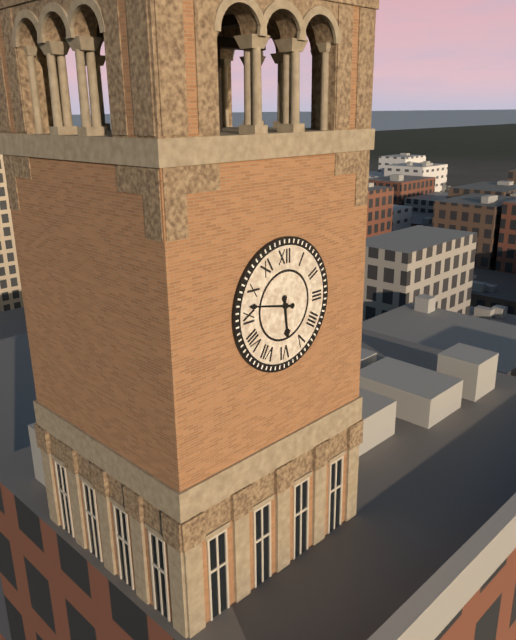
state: 5:47
